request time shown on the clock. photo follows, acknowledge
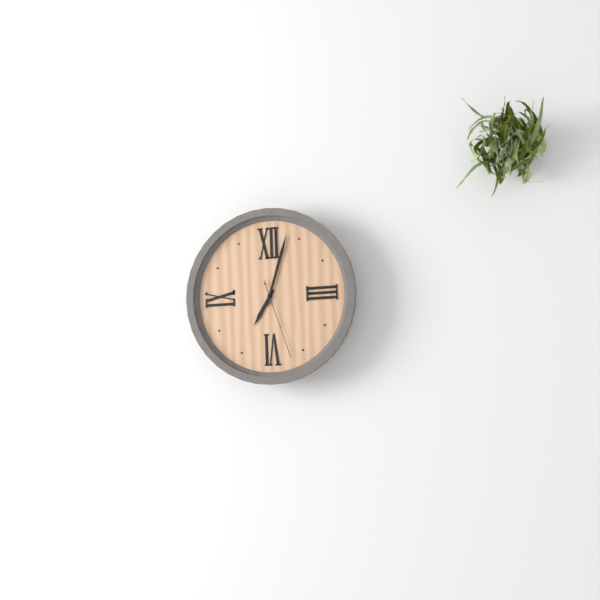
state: 7:03:27
